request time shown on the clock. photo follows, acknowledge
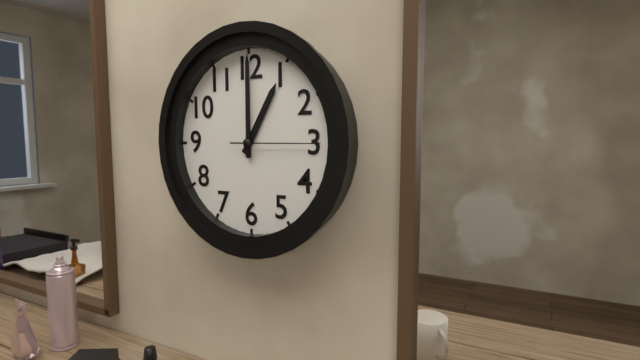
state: 1:00:15
